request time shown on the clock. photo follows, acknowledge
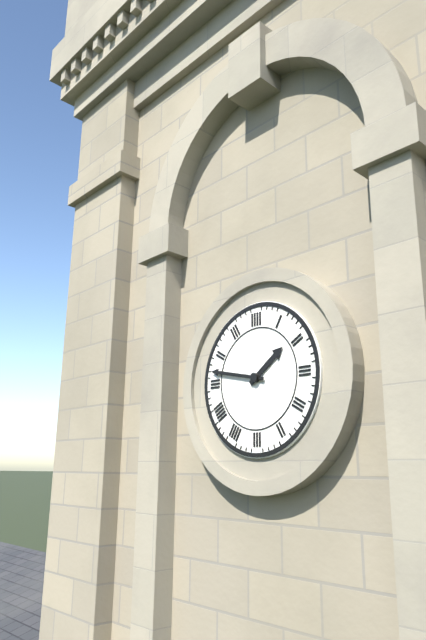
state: 1:47
